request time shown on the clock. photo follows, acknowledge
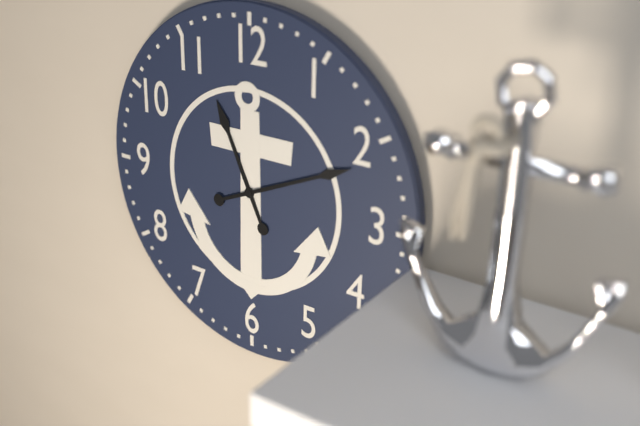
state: 11:11
